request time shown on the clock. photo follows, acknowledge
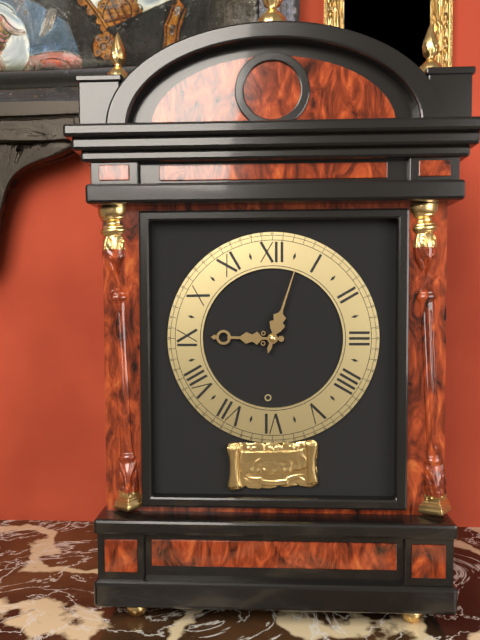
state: 9:03
